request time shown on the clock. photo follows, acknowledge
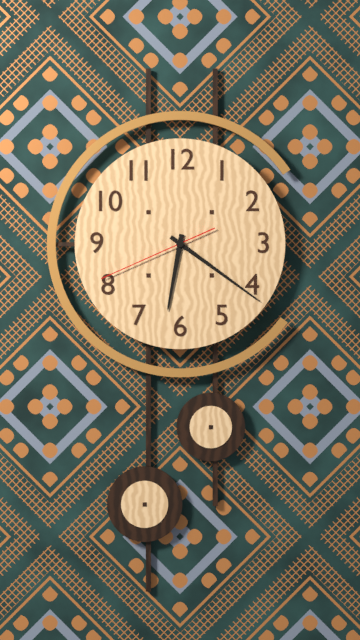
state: 6:21:41
